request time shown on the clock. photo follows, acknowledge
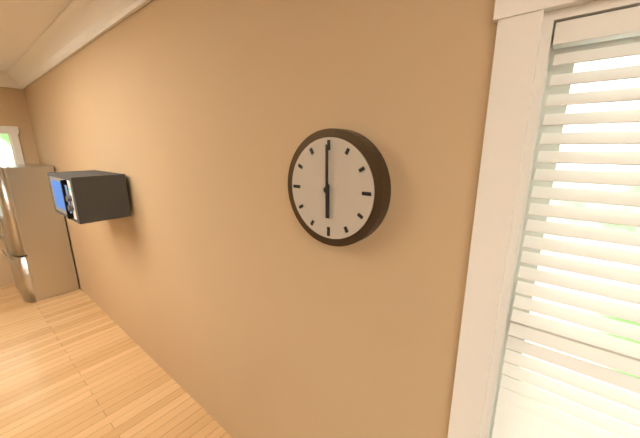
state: 6:00
